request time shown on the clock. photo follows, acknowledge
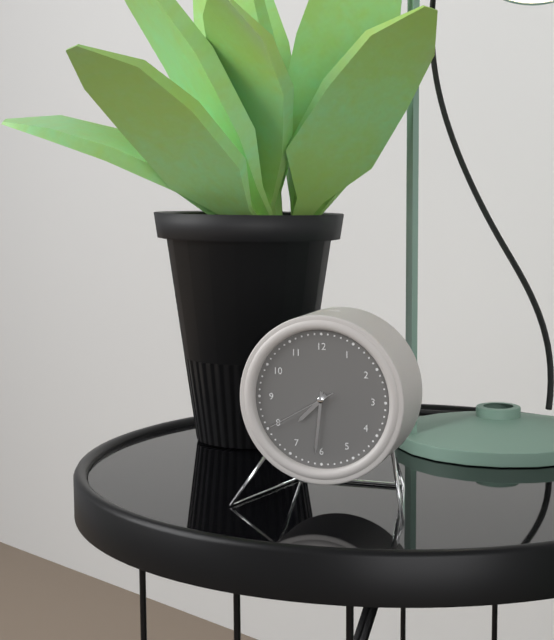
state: 7:31:40
